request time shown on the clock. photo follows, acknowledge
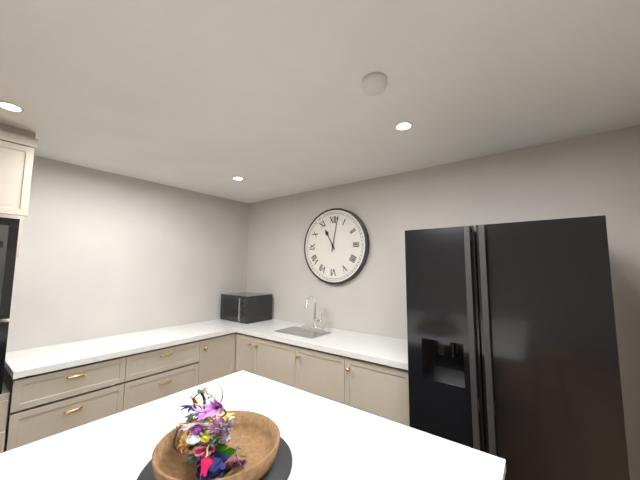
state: 11:02
